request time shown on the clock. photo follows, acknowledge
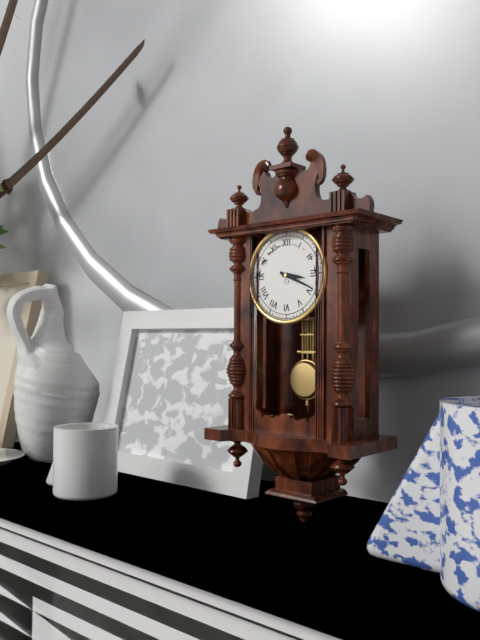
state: 3:19
